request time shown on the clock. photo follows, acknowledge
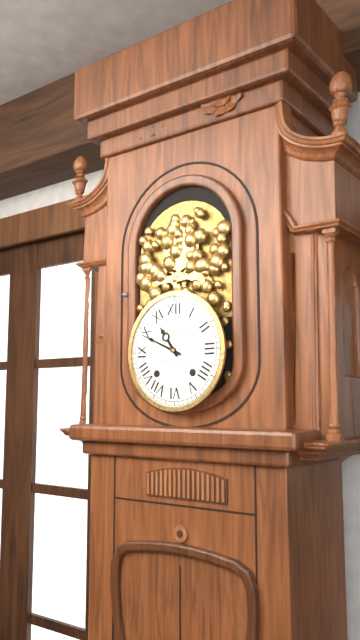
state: 10:49
